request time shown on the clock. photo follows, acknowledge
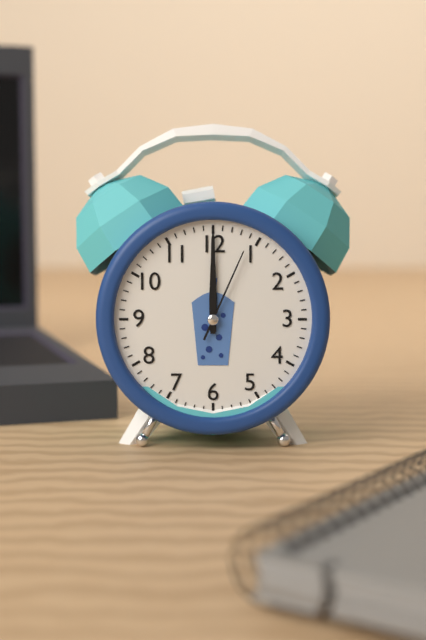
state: 12:00:04
